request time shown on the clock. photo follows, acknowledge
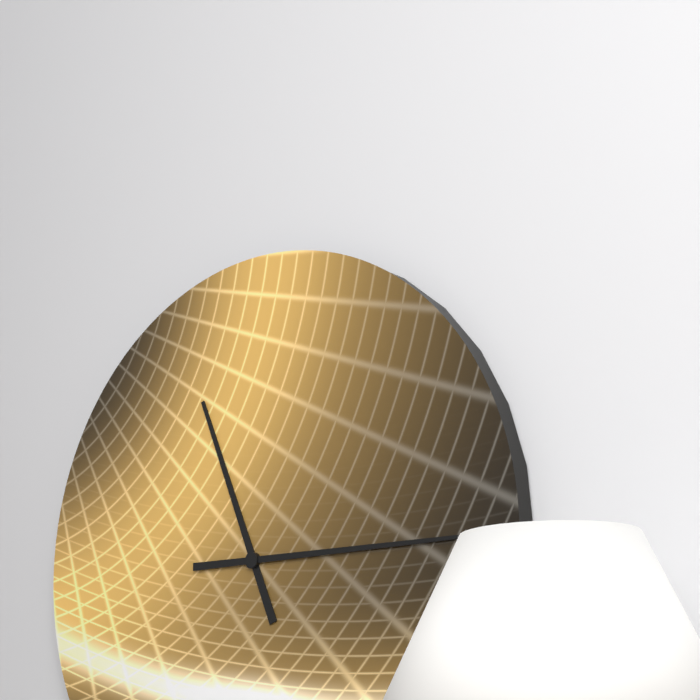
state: 11:15
